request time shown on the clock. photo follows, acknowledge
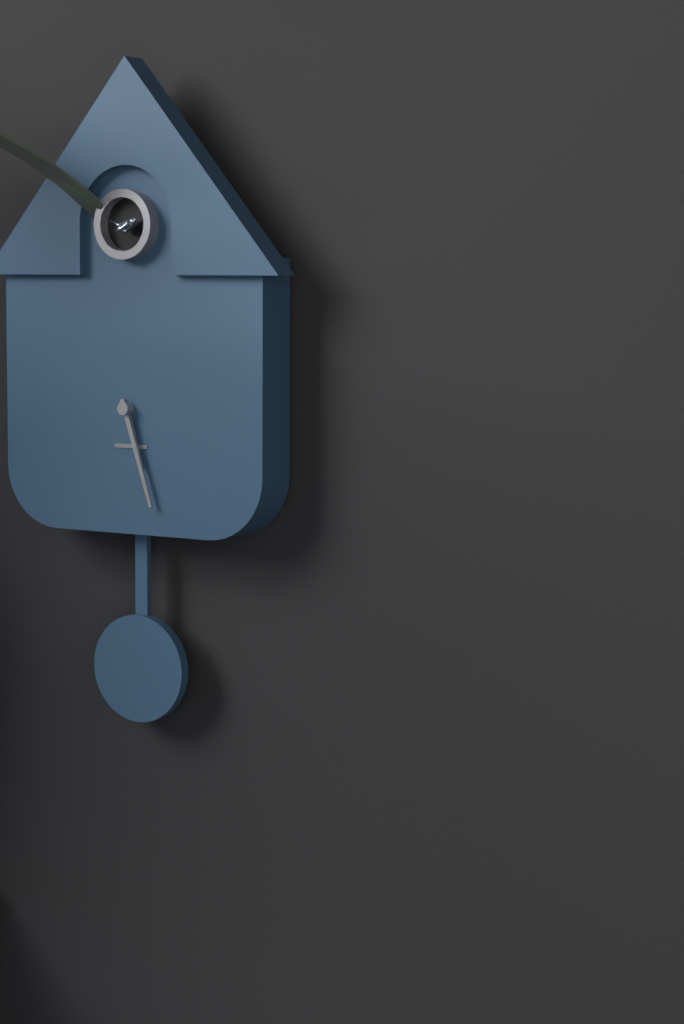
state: 5:27
